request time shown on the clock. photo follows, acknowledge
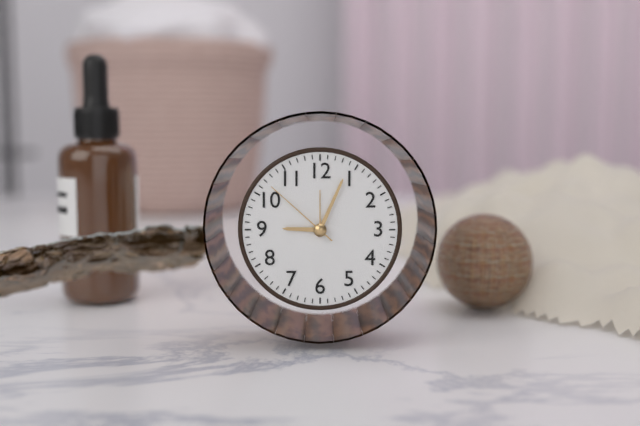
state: 9:04:52
